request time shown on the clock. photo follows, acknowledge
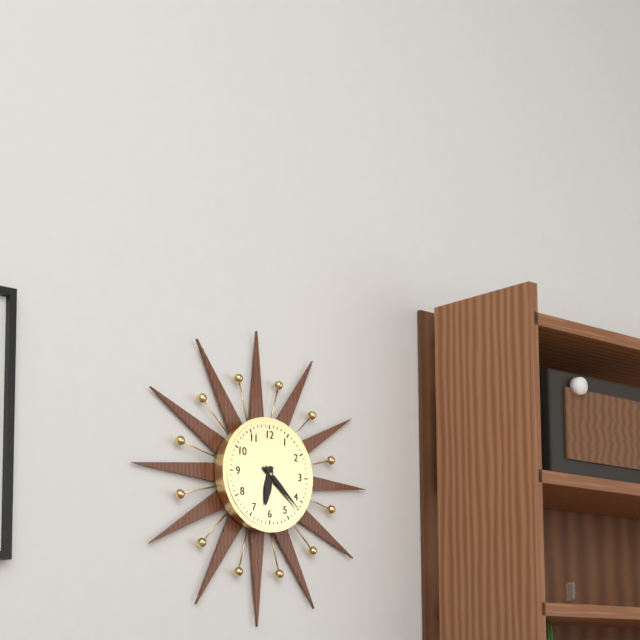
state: 6:22
